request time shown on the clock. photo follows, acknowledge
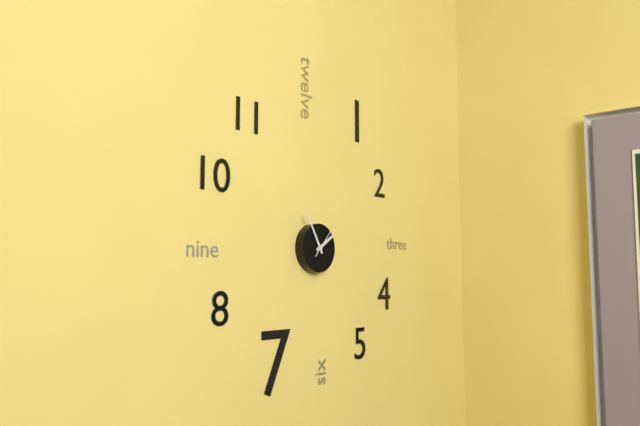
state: 1:55
